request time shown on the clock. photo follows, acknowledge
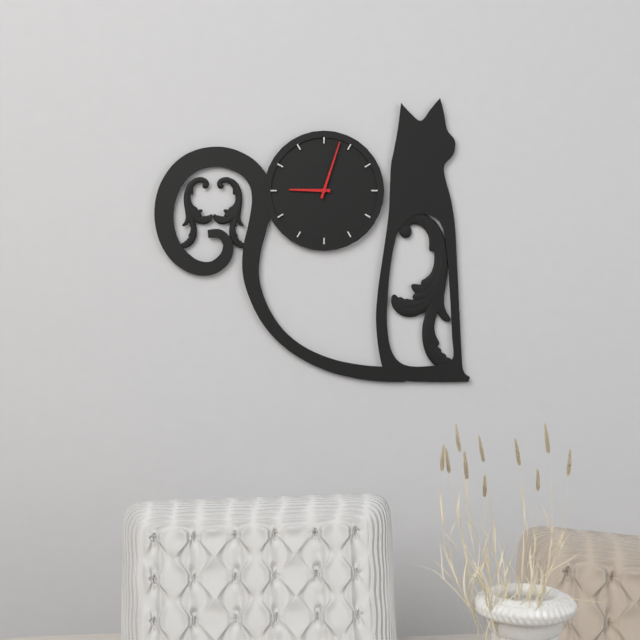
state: 9:03
